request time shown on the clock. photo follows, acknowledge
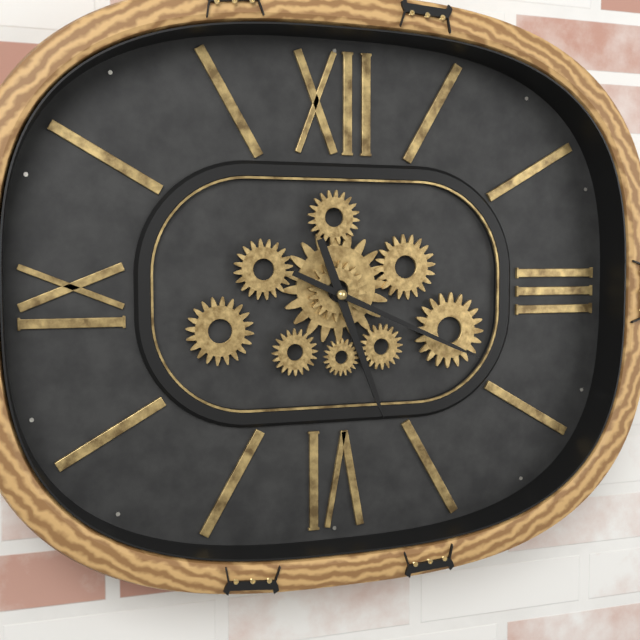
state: 5:19
